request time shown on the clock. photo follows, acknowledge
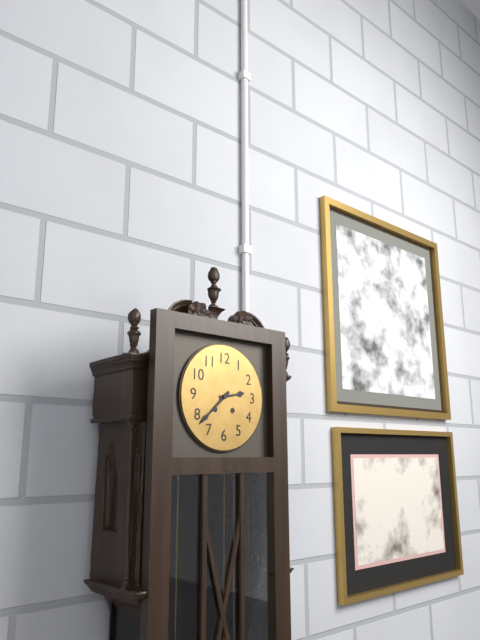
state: 2:38
